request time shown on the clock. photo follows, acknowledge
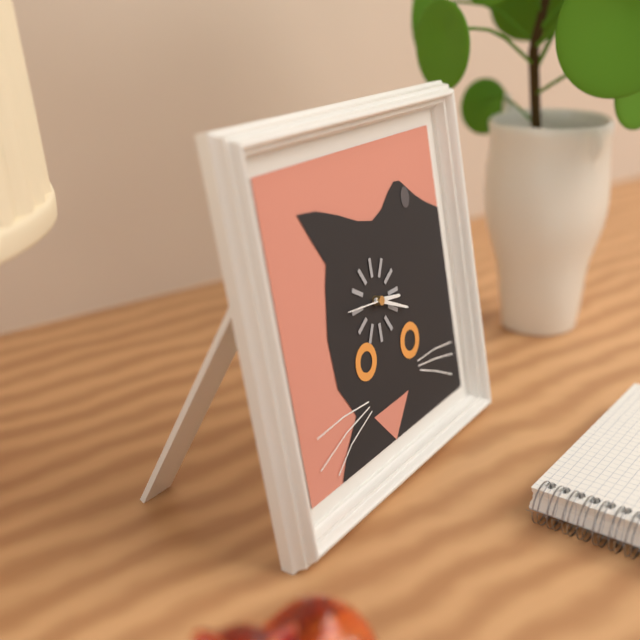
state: 3:19
